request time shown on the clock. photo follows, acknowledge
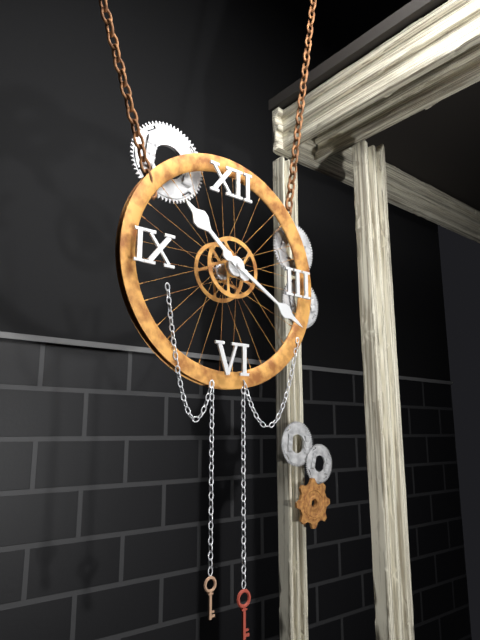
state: 10:20
